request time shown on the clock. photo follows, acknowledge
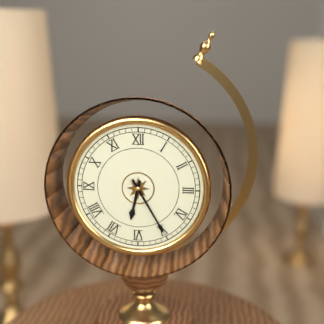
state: 6:25
